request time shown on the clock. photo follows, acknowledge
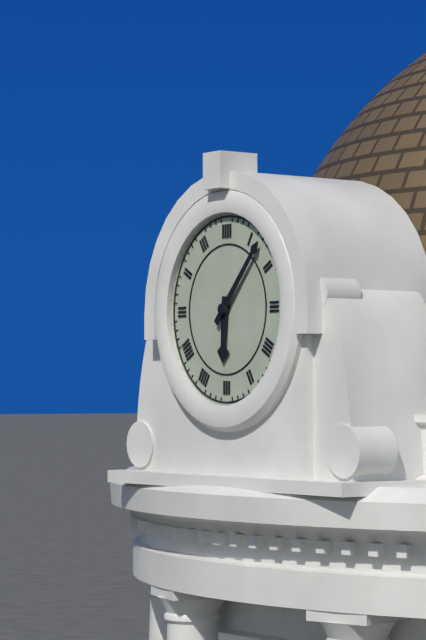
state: 6:07
